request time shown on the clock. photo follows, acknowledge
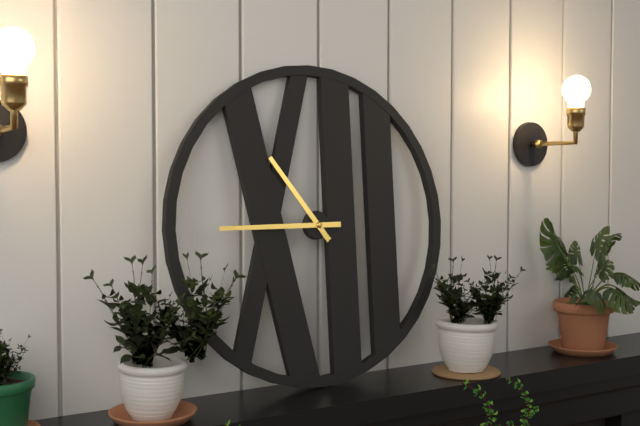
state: 10:45
